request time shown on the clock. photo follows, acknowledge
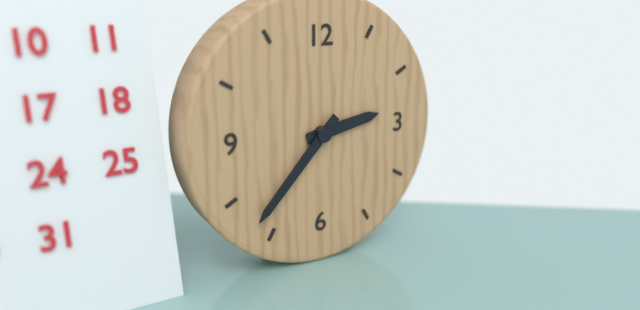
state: 2:37
